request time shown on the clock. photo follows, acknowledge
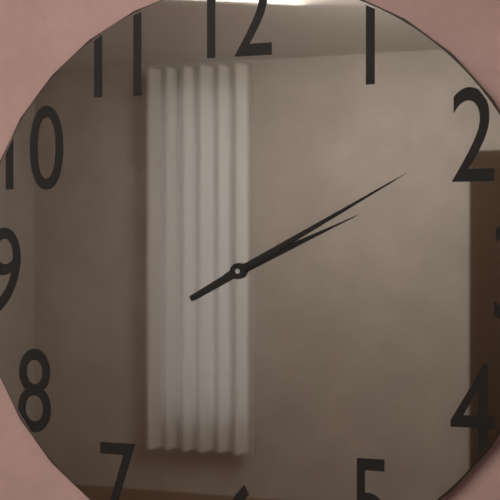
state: 2:10
